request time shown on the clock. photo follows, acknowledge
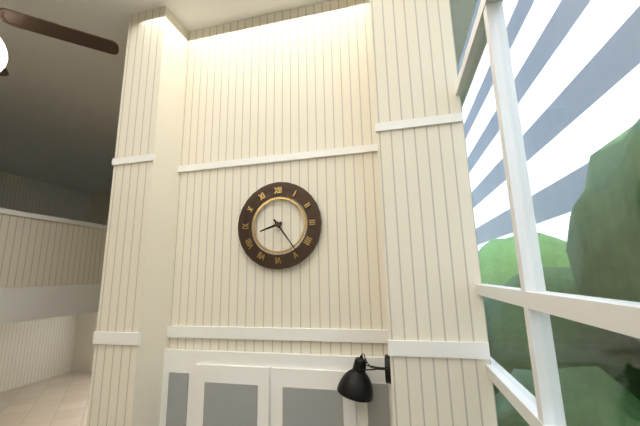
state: 8:24
